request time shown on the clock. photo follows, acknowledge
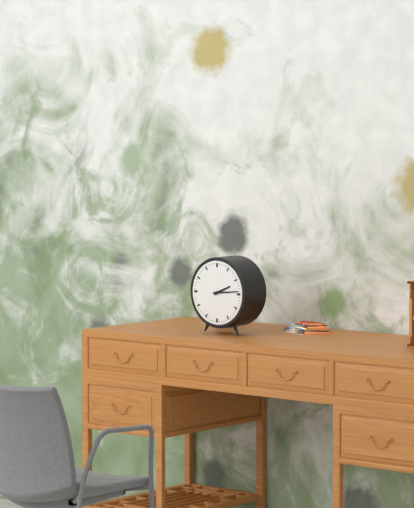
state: 2:14
